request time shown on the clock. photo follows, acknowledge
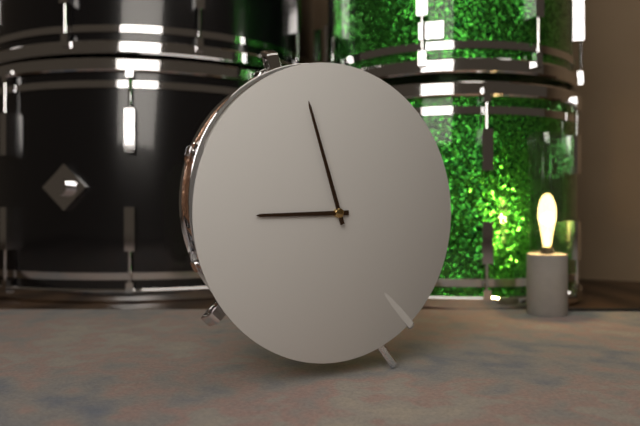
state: 8:57
